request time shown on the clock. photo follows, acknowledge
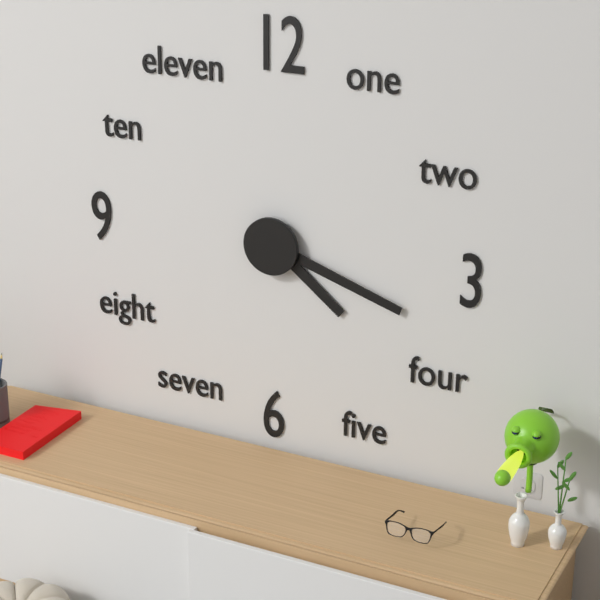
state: 4:18
